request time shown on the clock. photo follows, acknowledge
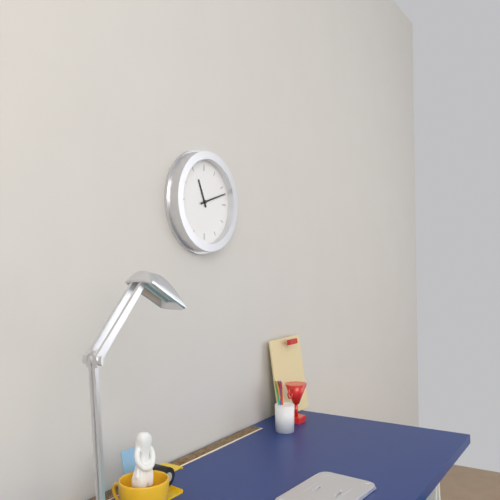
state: 11:12
